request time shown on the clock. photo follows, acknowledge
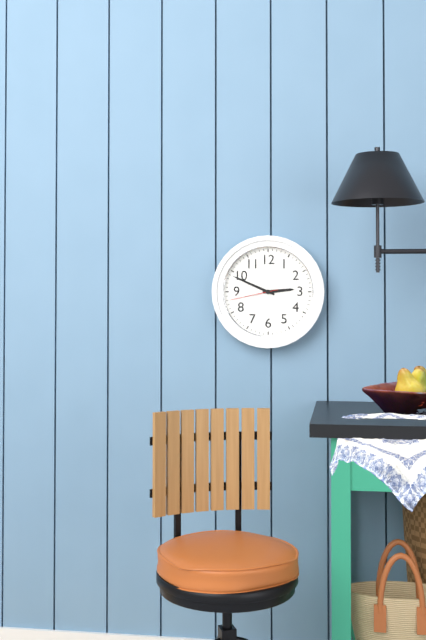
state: 2:49:43
